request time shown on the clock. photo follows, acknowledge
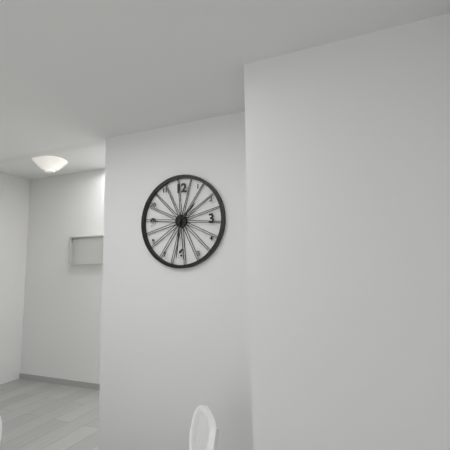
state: 1:31
